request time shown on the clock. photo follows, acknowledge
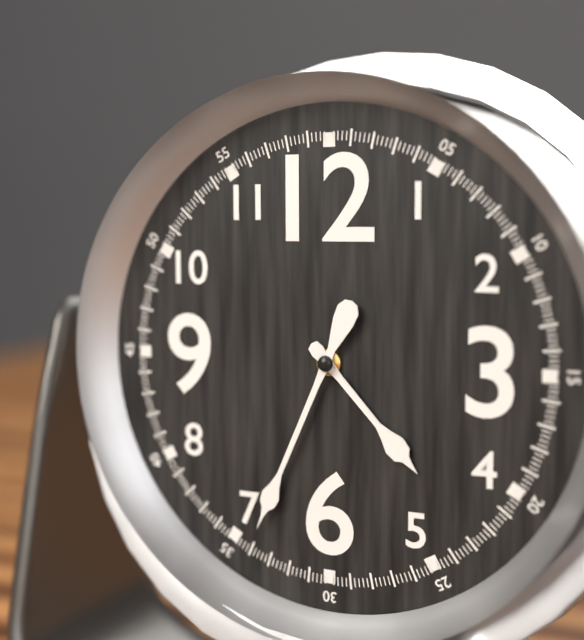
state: 4:34
